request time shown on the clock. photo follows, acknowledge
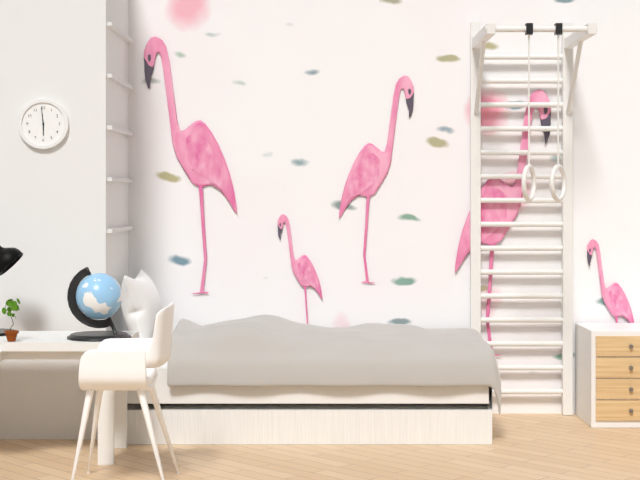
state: 5:59
